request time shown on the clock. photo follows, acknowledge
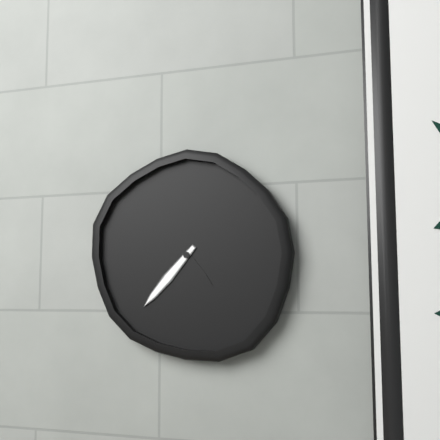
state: 4:37
